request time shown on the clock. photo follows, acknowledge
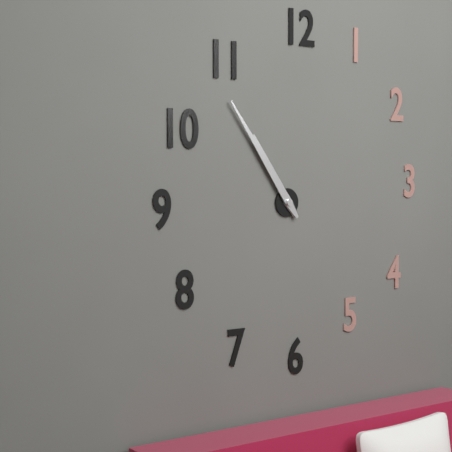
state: 10:54
